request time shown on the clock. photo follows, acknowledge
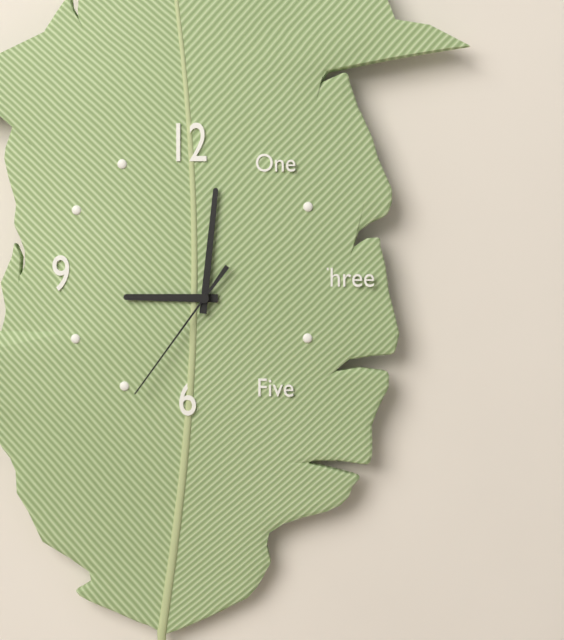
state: 9:01:36
